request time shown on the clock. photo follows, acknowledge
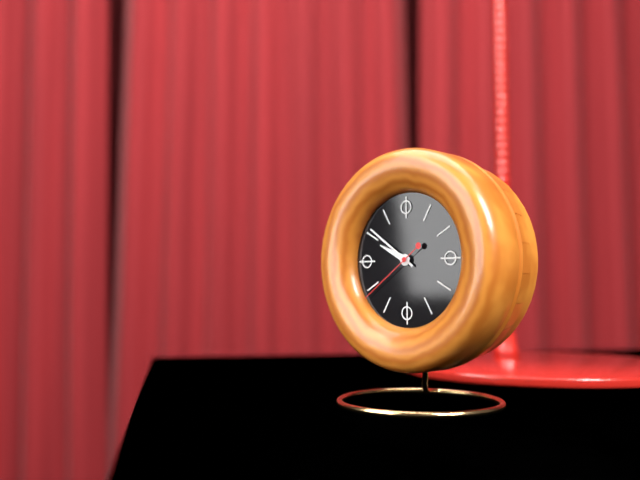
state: 9:51:39
